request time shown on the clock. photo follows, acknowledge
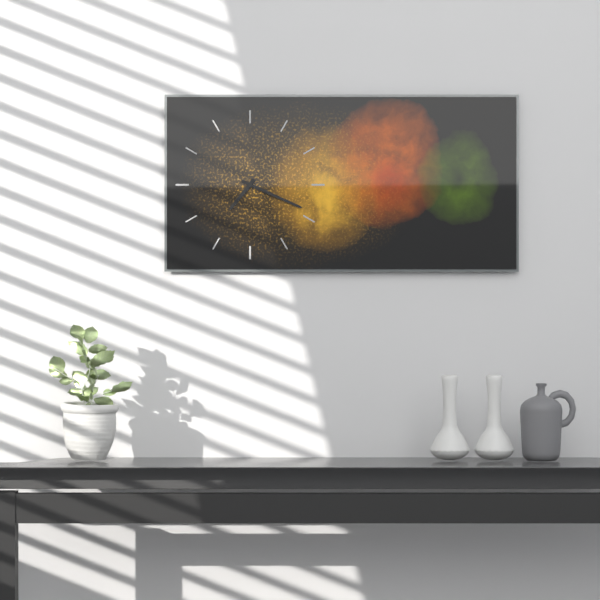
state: 7:19
